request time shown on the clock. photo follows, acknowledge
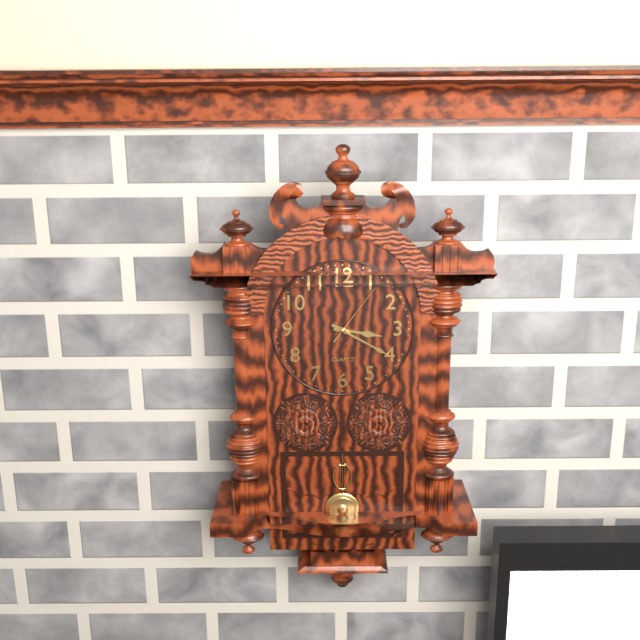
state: 3:20:06
